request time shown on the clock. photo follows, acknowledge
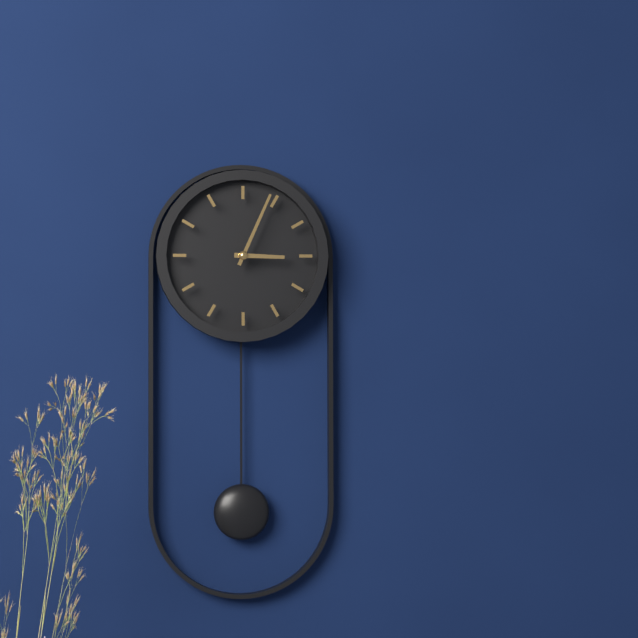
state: 3:04
